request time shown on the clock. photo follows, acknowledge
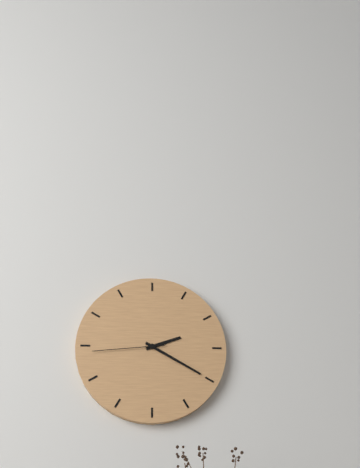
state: 2:20:44
